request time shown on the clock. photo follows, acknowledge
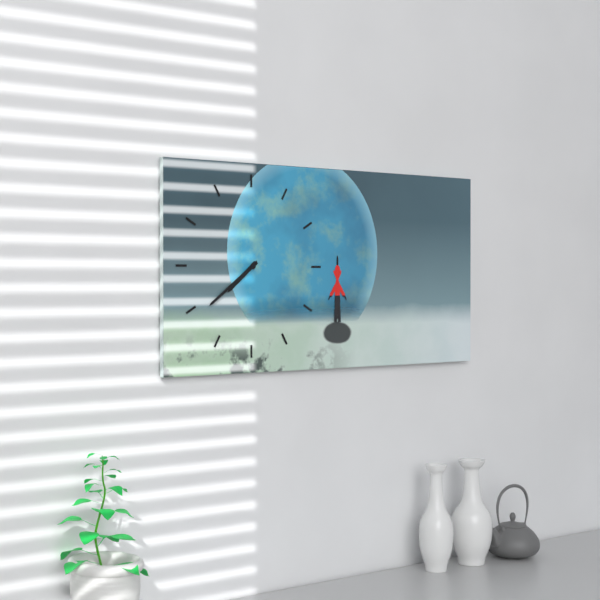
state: 7:39
